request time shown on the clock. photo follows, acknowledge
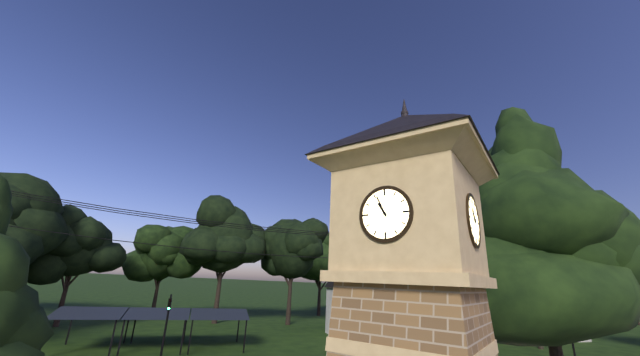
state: 10:56
